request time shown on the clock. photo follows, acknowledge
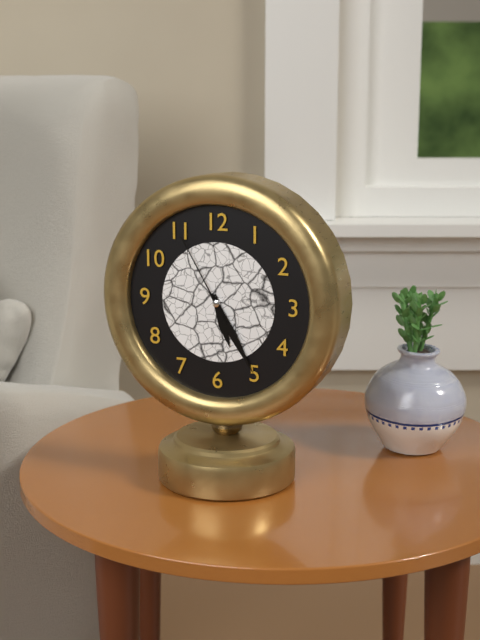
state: 5:25:55
